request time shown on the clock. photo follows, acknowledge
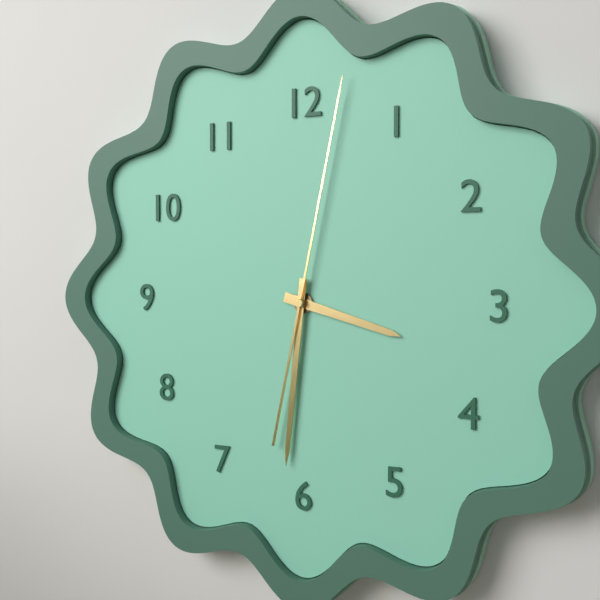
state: 3:31:02
